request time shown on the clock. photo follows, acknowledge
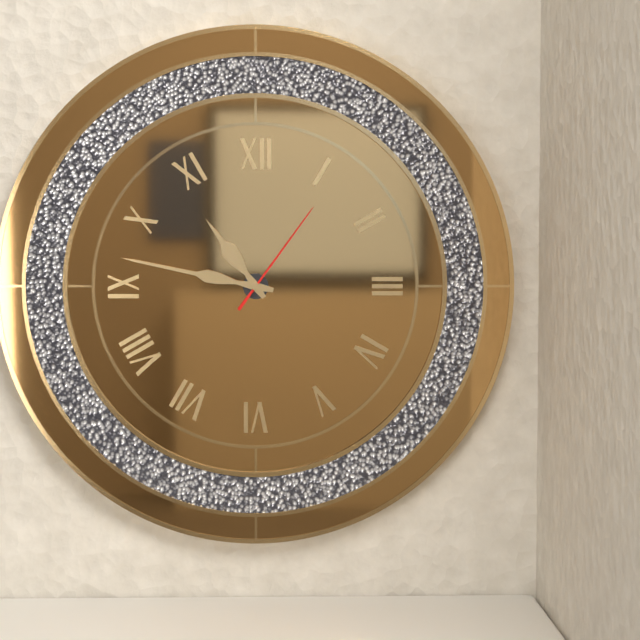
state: 10:47:06
